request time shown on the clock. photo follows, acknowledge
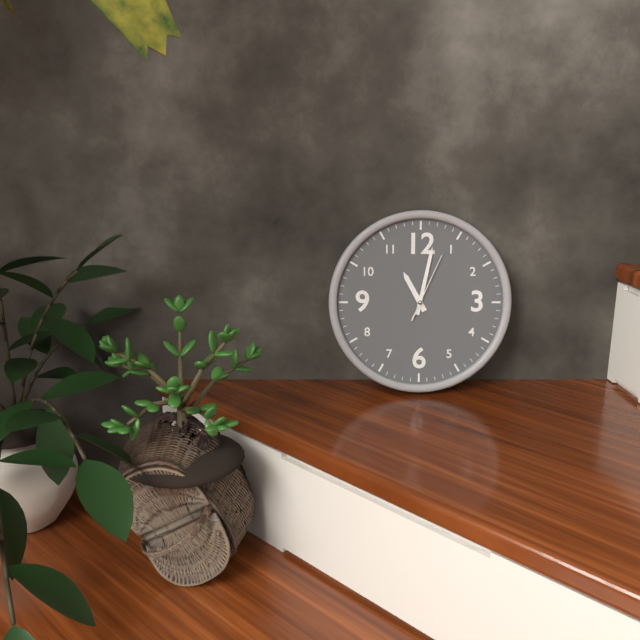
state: 11:02:04
